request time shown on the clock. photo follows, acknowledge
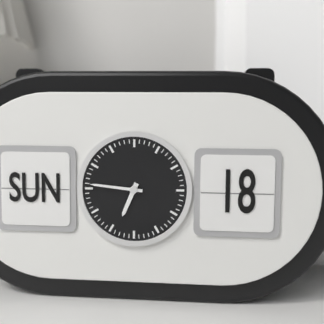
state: 6:46
